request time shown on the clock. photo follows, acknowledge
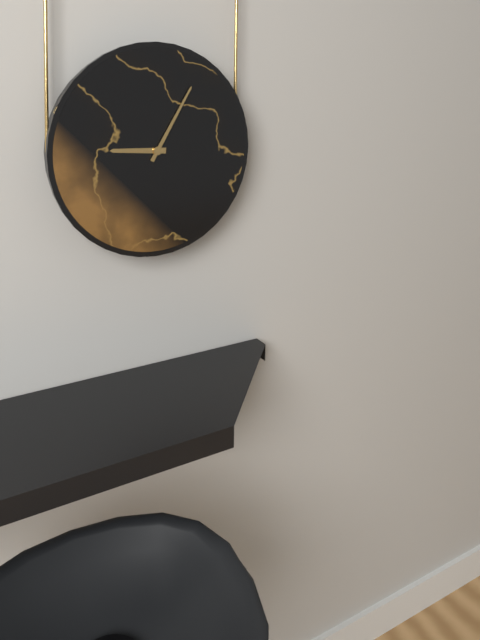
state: 9:05
